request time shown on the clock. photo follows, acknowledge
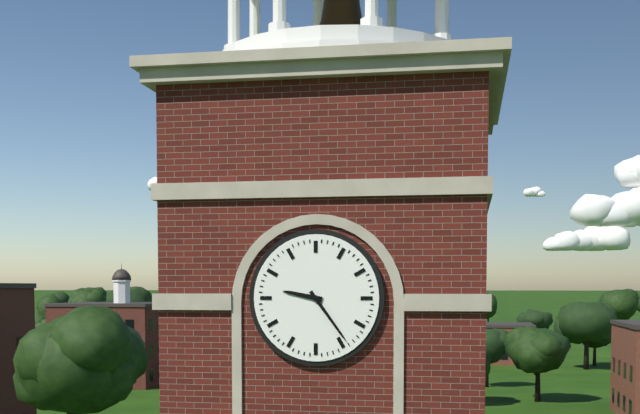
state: 9:24
